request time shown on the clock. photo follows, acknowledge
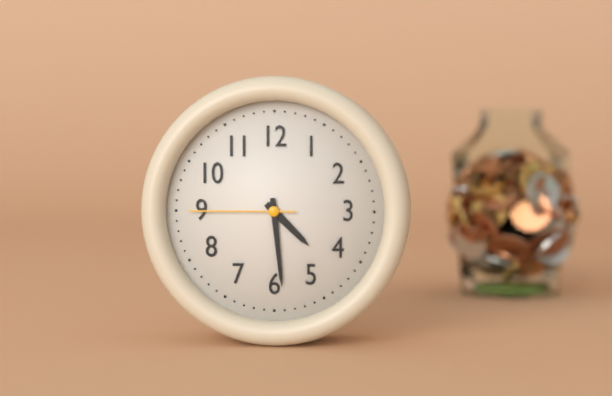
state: 4:29:45
